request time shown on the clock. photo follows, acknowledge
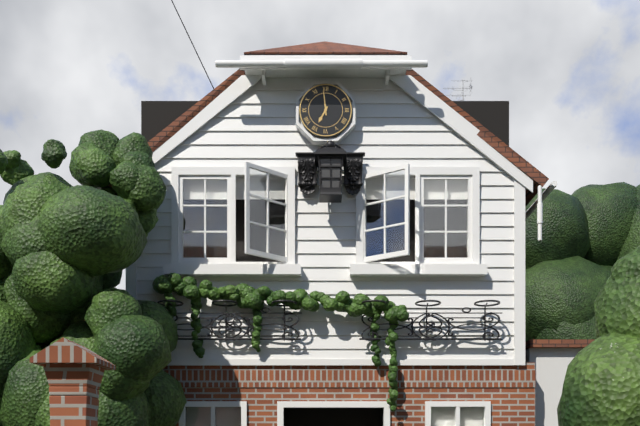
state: 6:59
